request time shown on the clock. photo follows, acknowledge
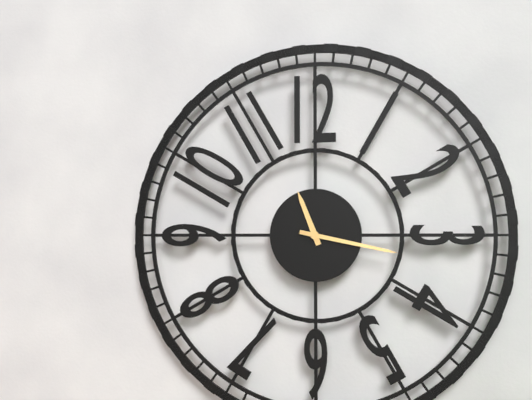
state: 11:17
